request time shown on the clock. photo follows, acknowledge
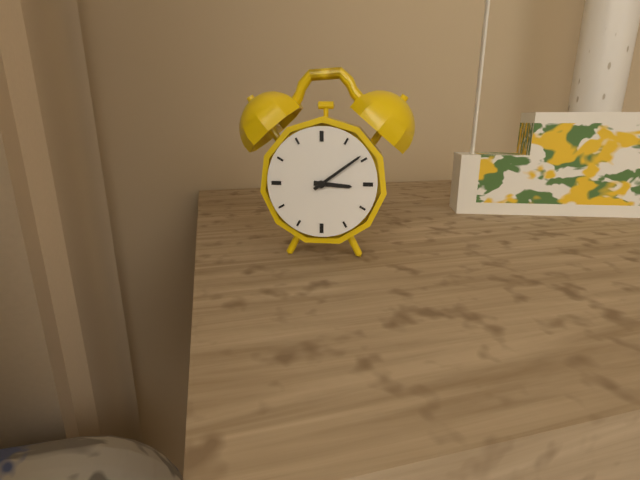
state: 3:09
